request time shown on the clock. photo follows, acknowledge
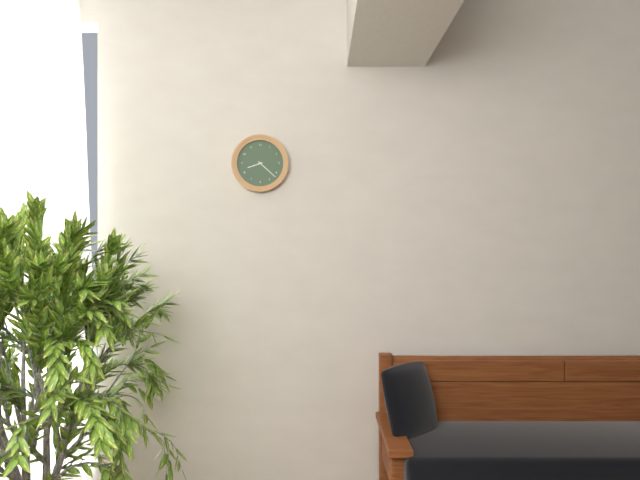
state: 8:22
